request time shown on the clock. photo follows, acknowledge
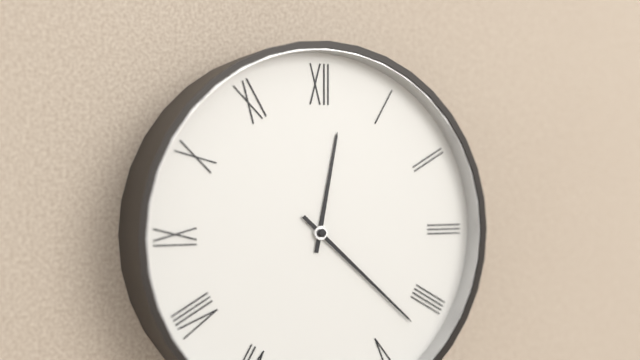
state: 12:22
